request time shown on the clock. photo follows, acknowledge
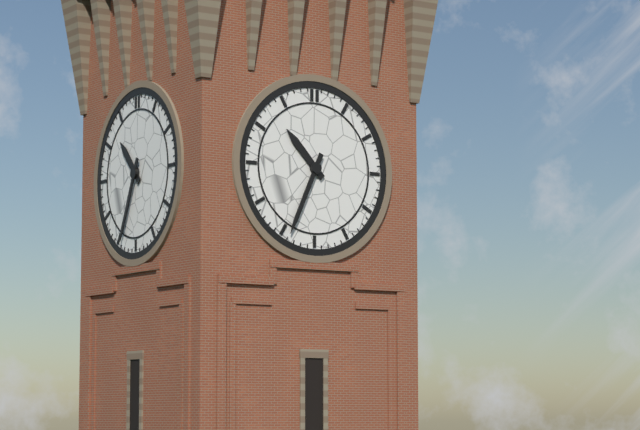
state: 10:34
